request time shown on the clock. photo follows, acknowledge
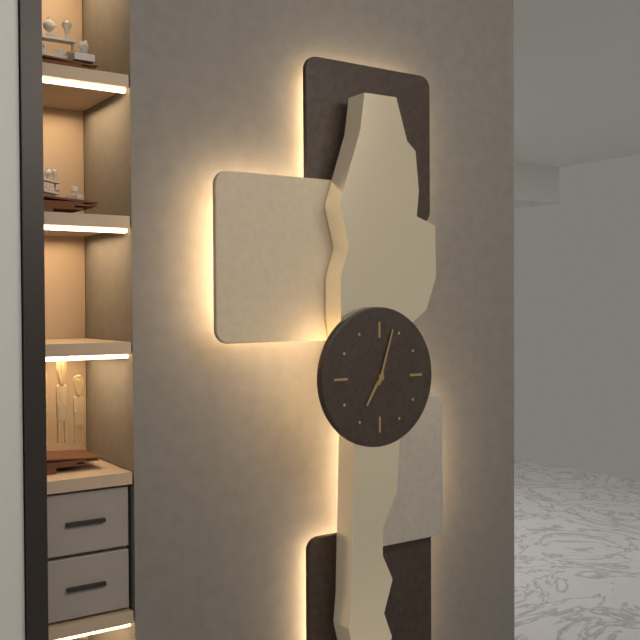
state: 7:03
